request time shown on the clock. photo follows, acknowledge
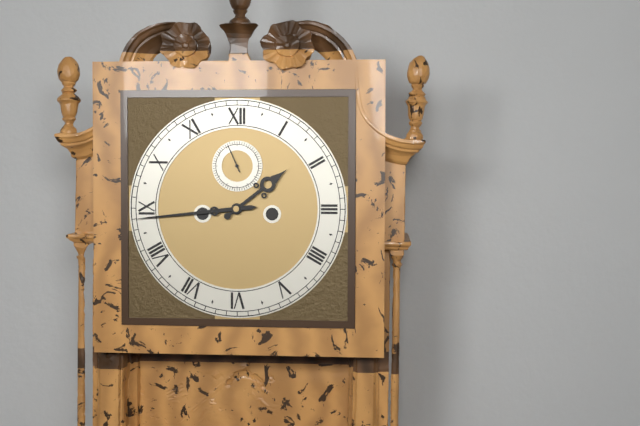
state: 1:44
